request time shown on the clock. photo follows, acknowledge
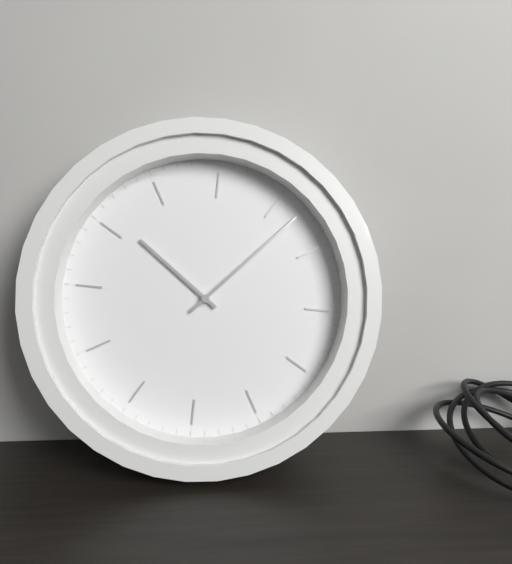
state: 11:12
